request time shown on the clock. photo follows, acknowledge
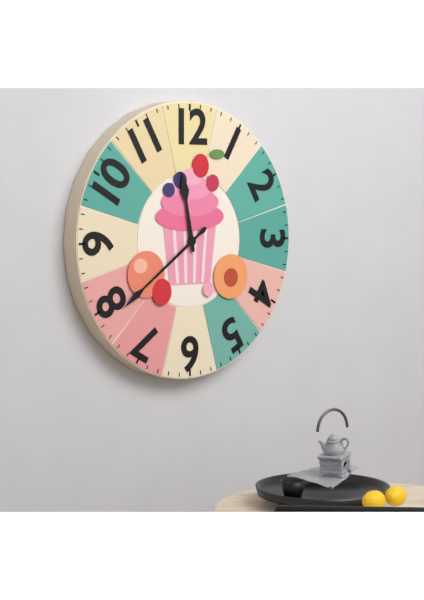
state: 11:39
